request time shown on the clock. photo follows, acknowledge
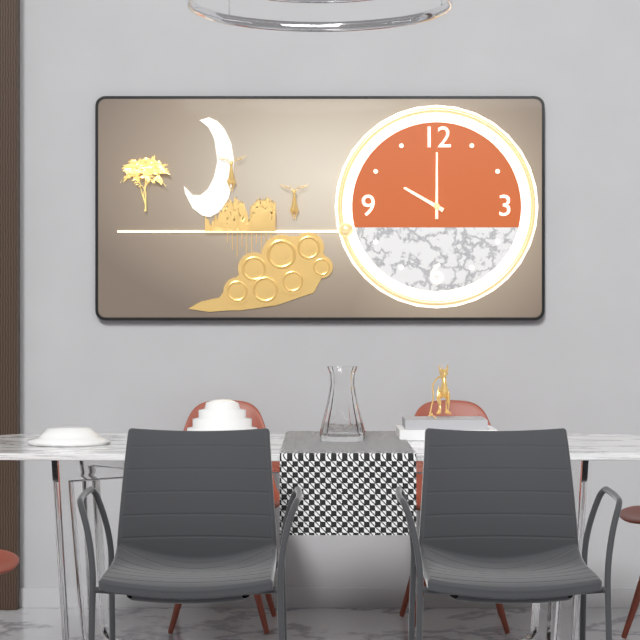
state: 10:00
